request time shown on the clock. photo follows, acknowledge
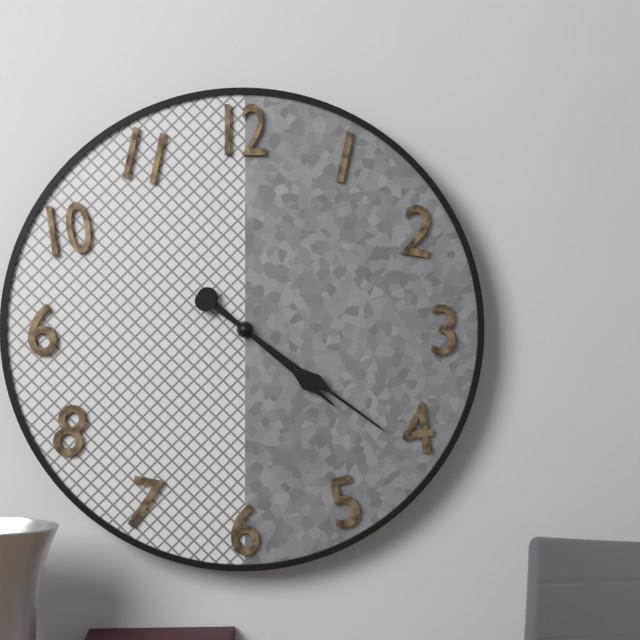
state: 4:21
